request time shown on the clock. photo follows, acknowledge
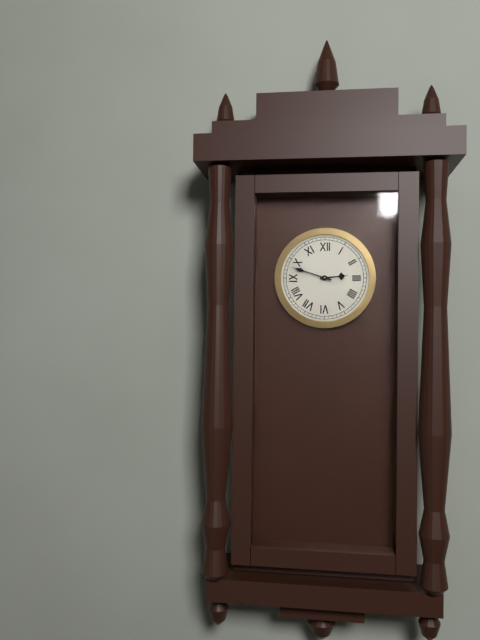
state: 2:48
